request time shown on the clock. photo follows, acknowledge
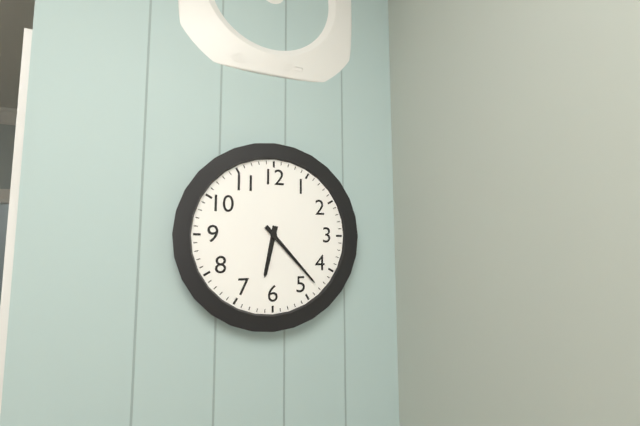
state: 6:23
